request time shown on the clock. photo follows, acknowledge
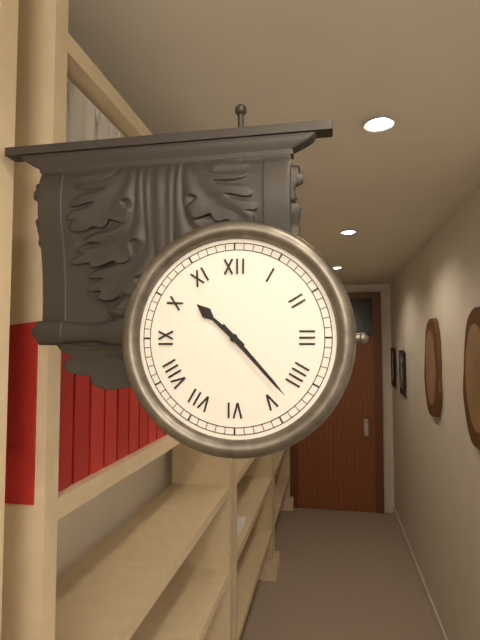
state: 10:23
